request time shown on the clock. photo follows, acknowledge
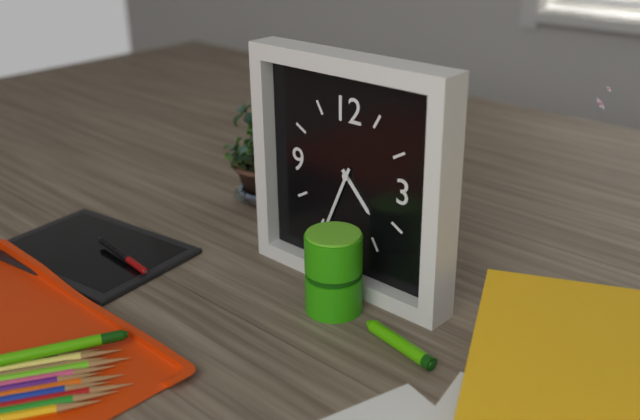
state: 4:34
